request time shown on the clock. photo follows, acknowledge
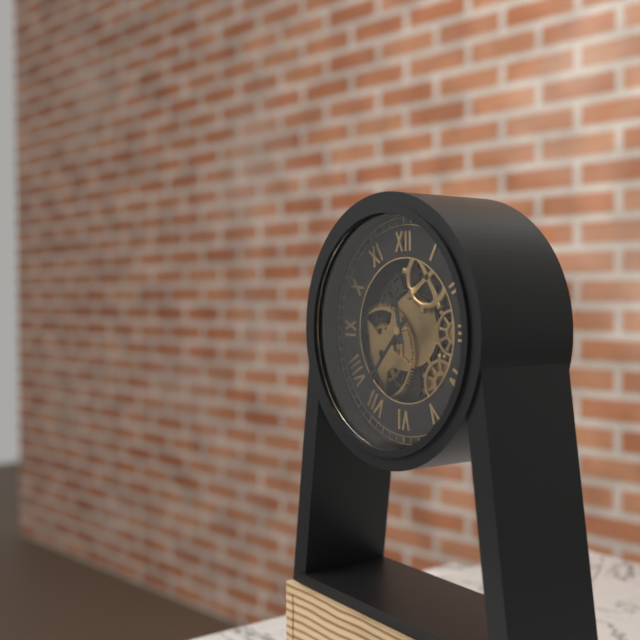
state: 11:37
